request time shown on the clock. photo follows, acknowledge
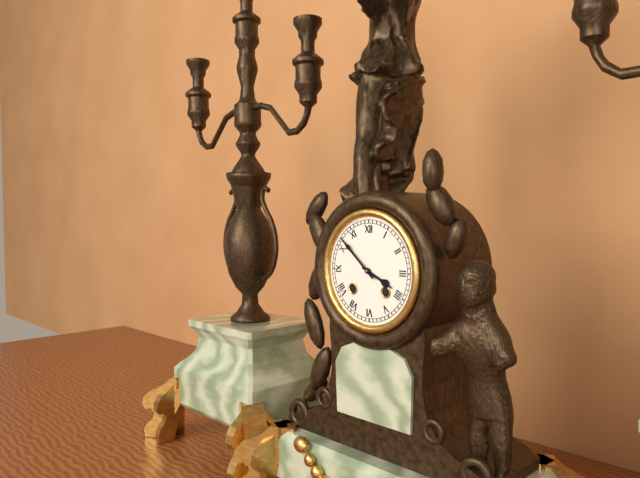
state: 3:52
